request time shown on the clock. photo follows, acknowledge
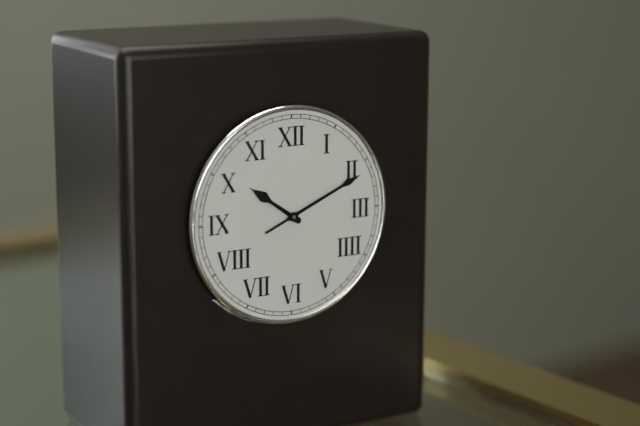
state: 10:11
